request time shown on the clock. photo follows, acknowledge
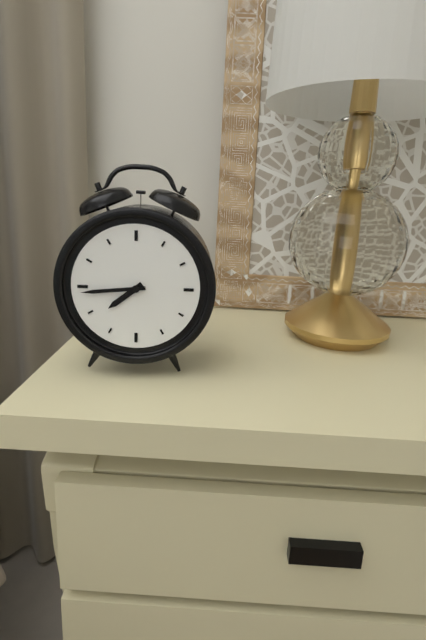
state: 7:44
